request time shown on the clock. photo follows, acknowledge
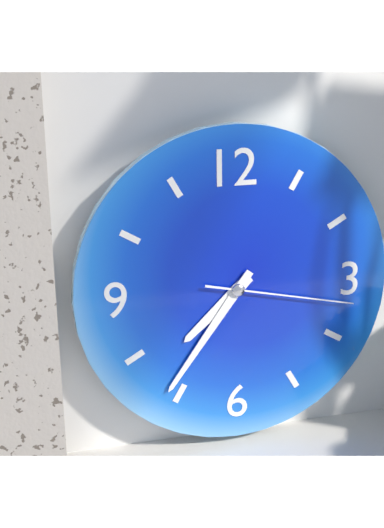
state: 7:36:17
